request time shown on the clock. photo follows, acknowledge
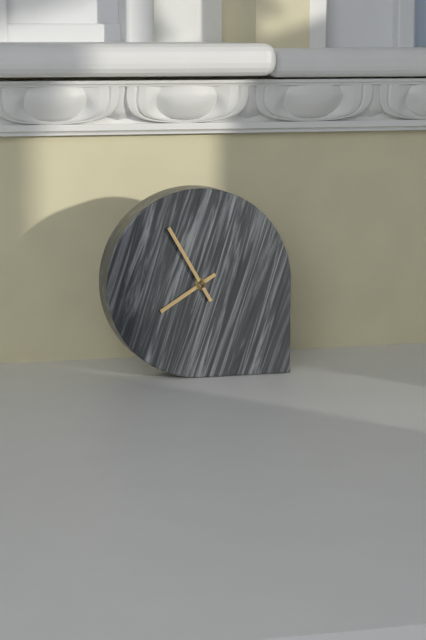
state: 7:55
